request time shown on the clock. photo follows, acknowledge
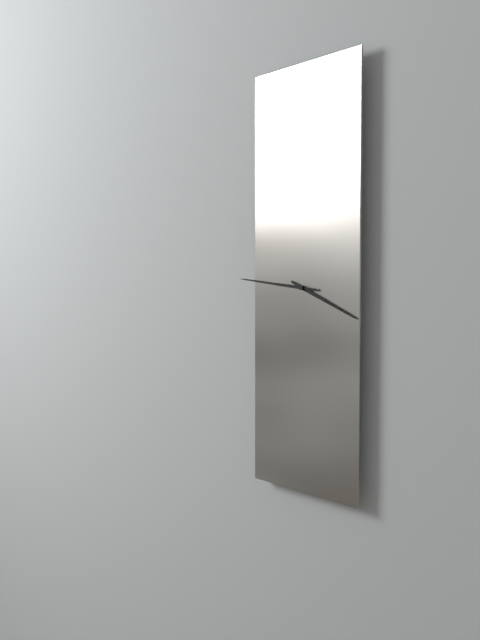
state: 3:46
